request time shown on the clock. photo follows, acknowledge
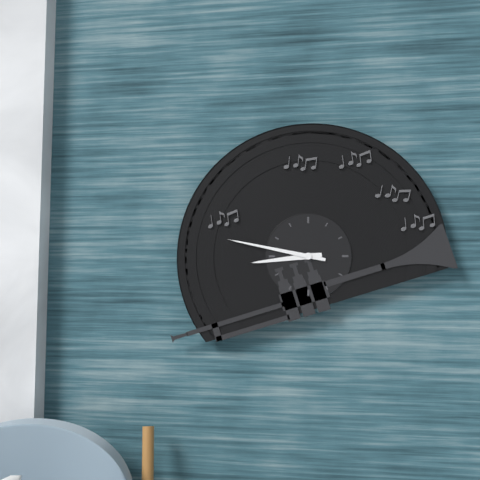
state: 8:47
